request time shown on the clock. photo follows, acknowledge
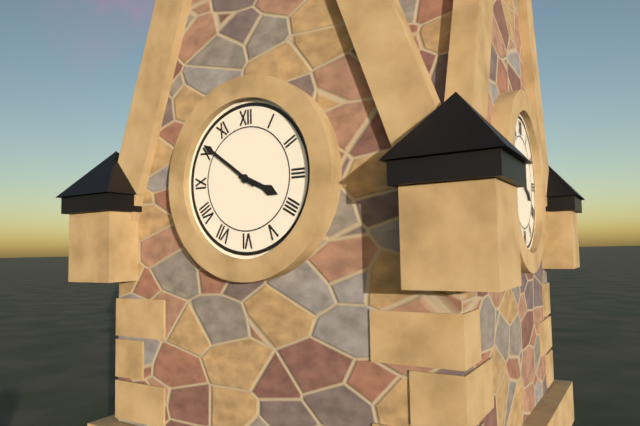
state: 3:51
